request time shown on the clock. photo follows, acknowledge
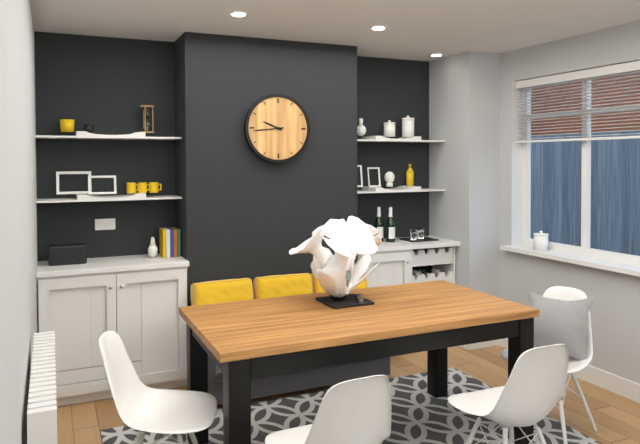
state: 9:44
